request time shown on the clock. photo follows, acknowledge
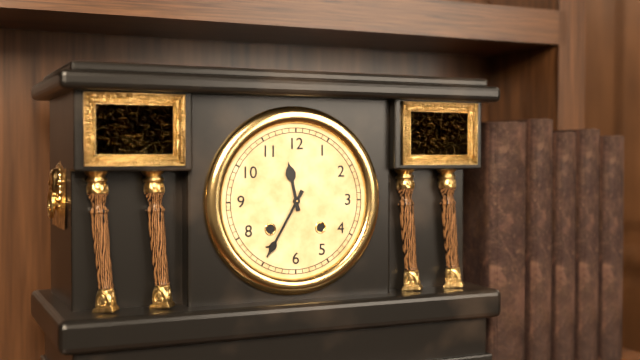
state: 11:35
